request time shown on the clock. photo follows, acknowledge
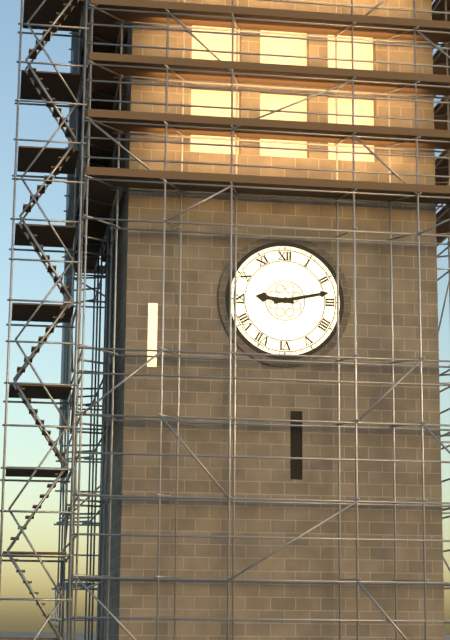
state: 9:13
